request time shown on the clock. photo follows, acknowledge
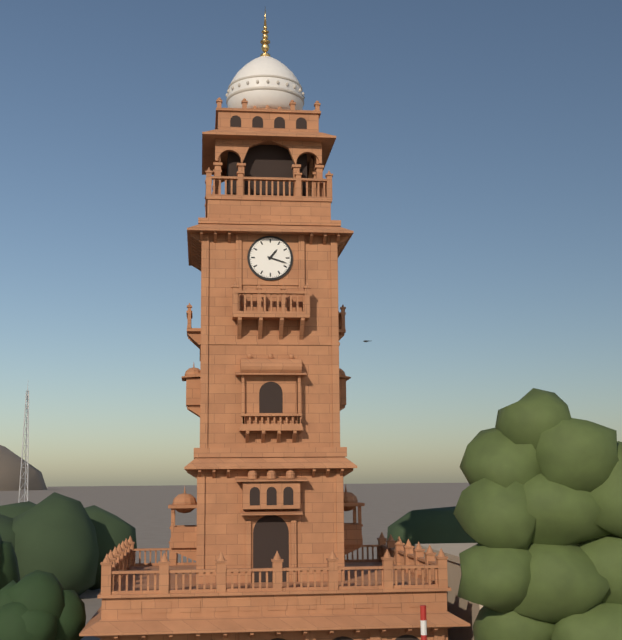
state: 1:18
